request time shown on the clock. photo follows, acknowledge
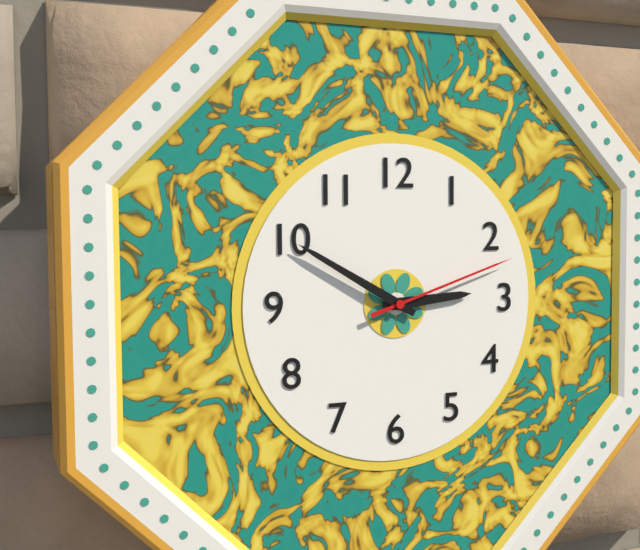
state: 2:50:12
